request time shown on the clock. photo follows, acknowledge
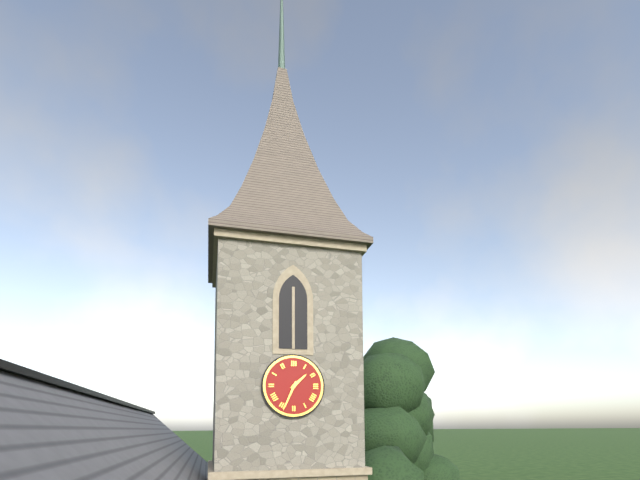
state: 1:34
